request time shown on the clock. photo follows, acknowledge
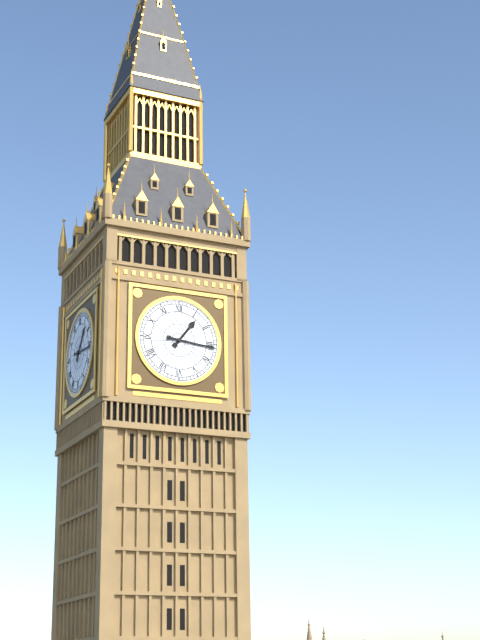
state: 1:16
